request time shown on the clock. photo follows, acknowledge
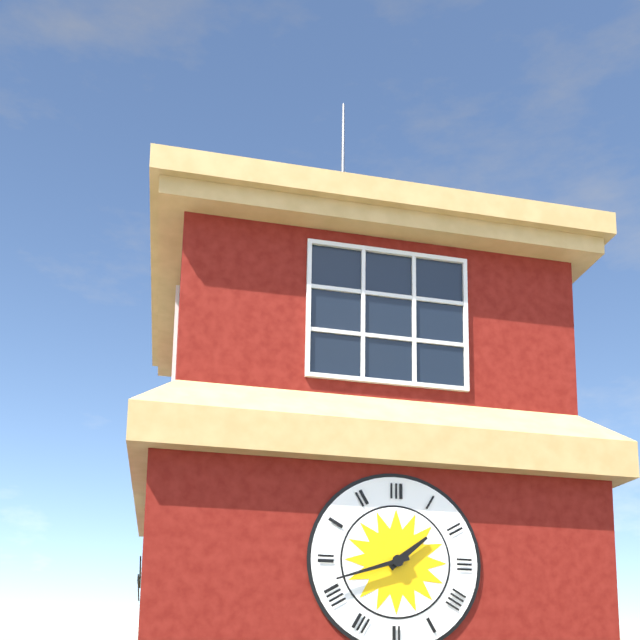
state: 1:42
